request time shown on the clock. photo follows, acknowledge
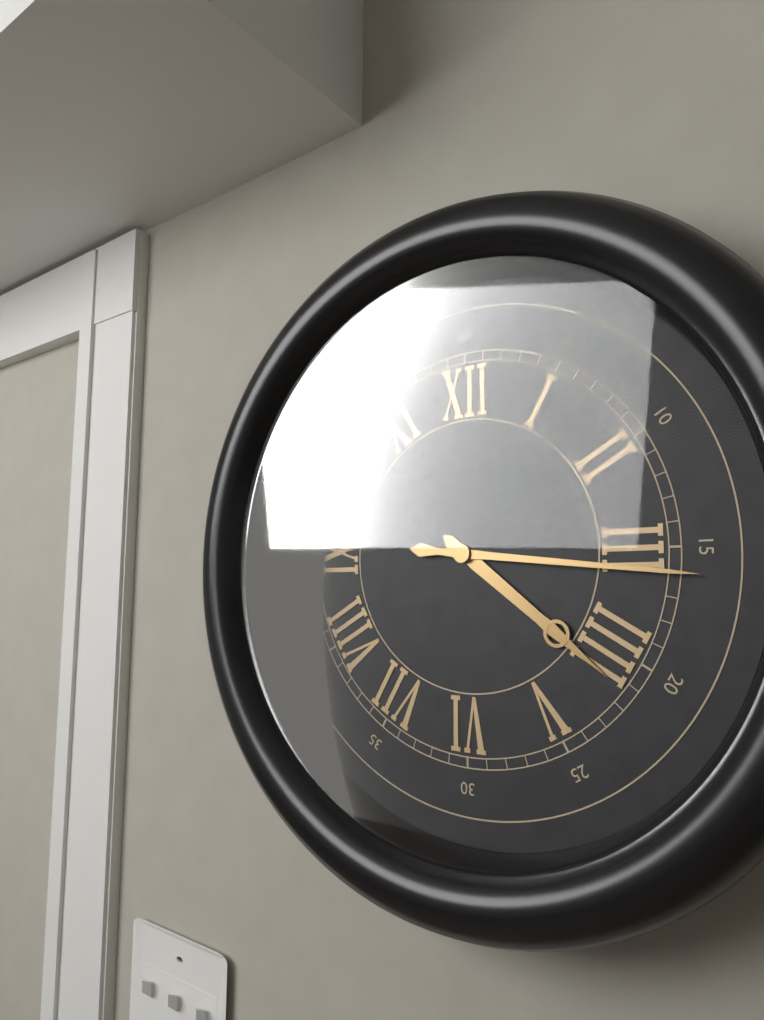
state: 4:16
